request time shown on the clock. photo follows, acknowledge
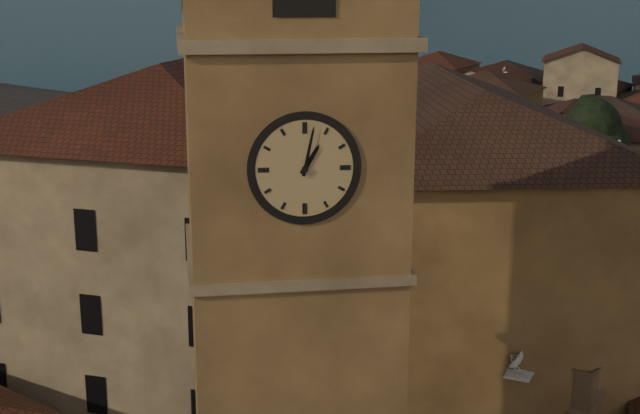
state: 1:02
